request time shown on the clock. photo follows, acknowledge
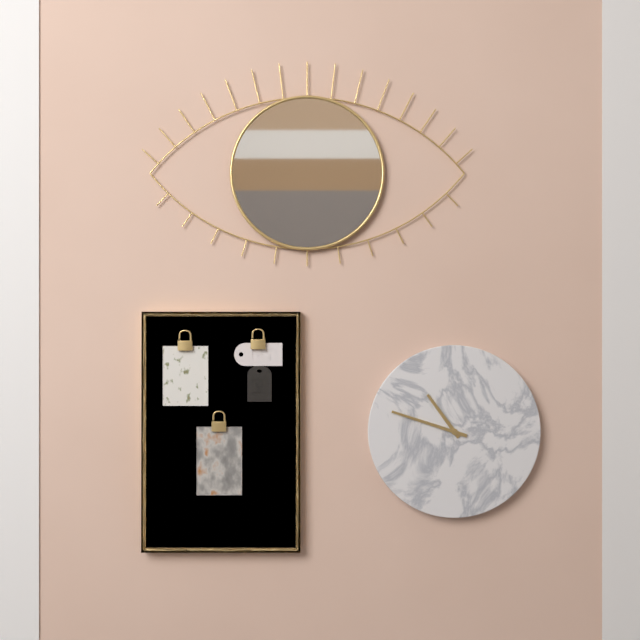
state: 10:48
